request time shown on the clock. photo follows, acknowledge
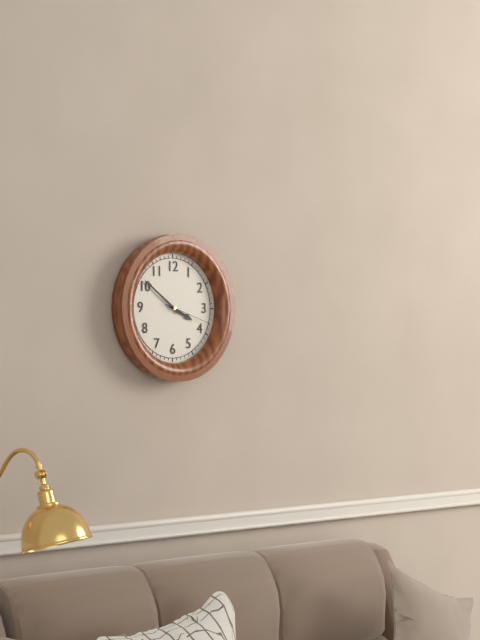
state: 3:51
